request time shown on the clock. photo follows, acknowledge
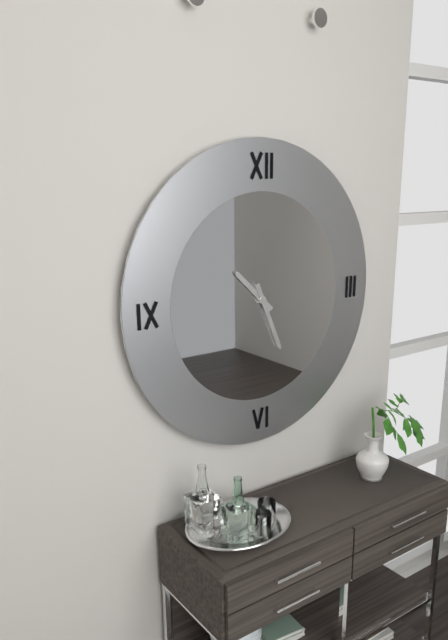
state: 10:26
